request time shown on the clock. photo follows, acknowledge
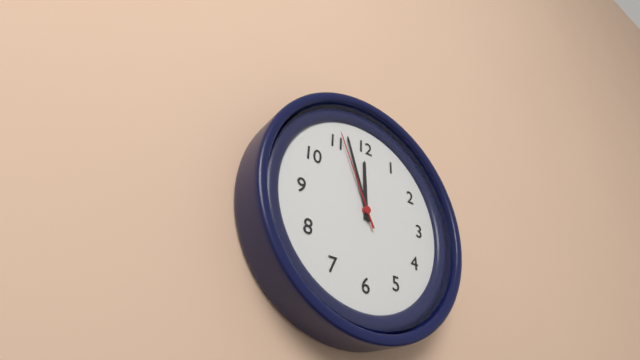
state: 11:57:56
